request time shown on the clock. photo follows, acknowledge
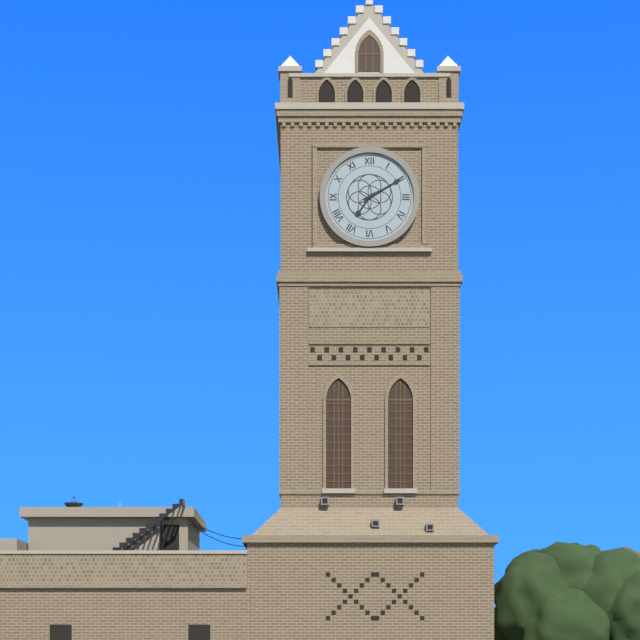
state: 7:10
